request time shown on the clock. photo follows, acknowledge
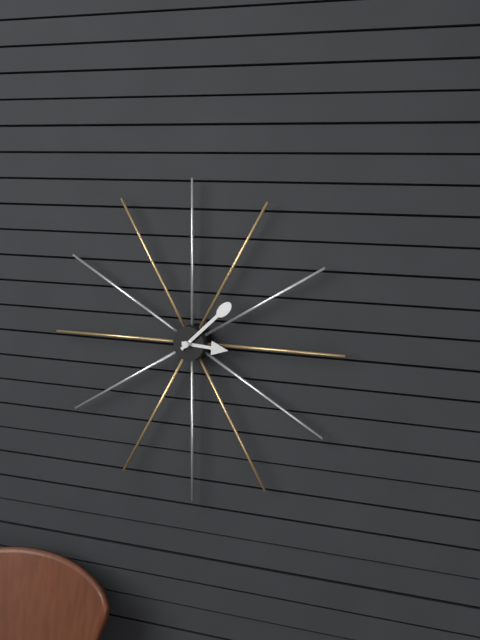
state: 3:08
